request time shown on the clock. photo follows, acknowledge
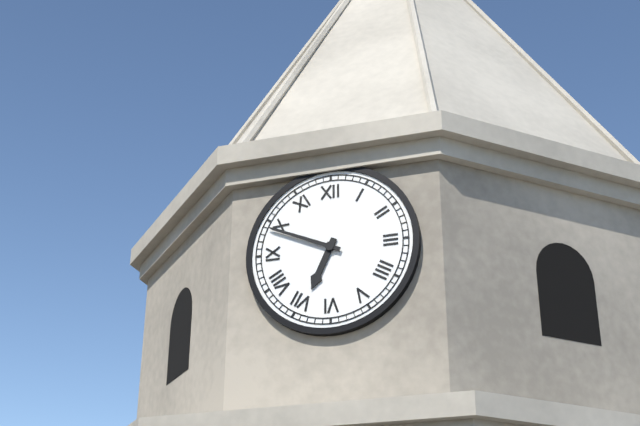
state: 6:49
